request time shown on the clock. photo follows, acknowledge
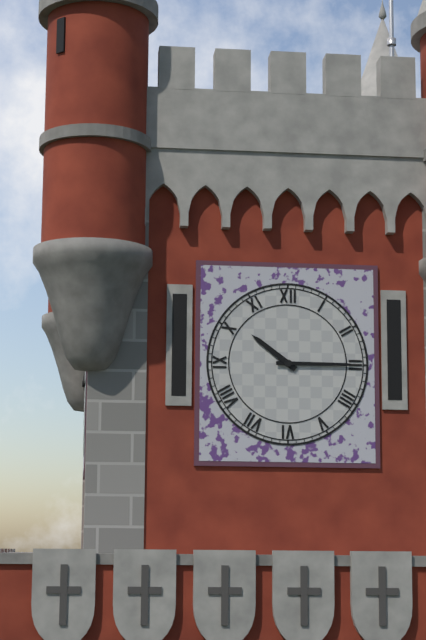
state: 10:15
